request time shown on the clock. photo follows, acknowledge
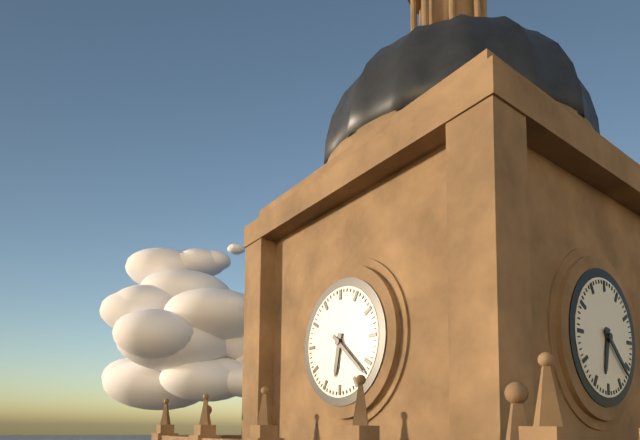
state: 6:22
